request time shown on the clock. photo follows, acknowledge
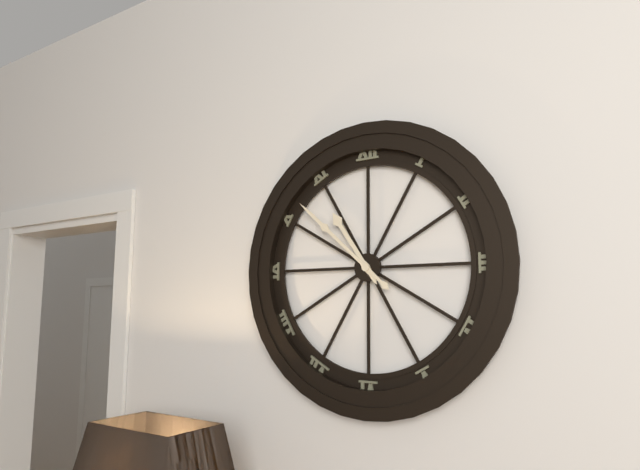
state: 10:52
